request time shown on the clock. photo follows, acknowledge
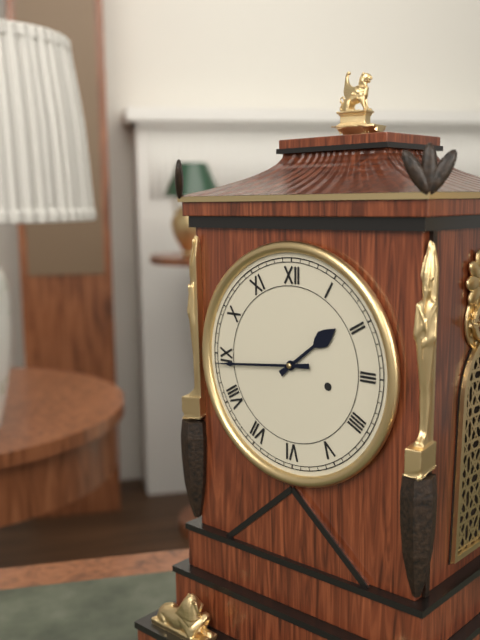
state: 1:44
